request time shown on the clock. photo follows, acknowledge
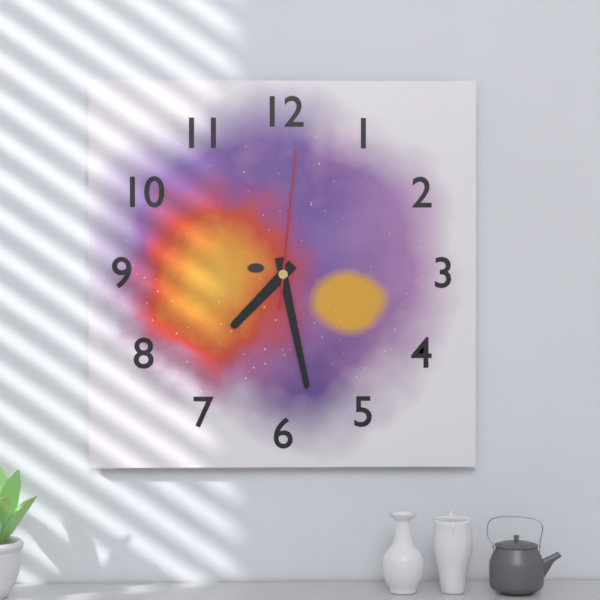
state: 7:28:01
